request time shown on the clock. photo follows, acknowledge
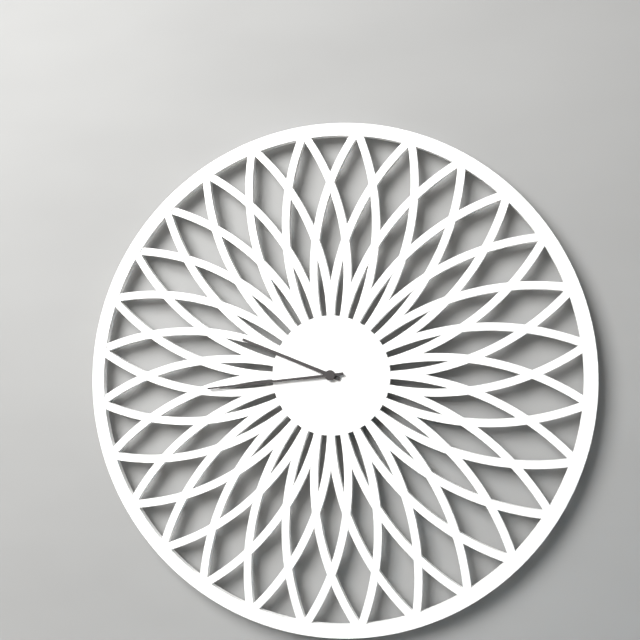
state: 9:44
